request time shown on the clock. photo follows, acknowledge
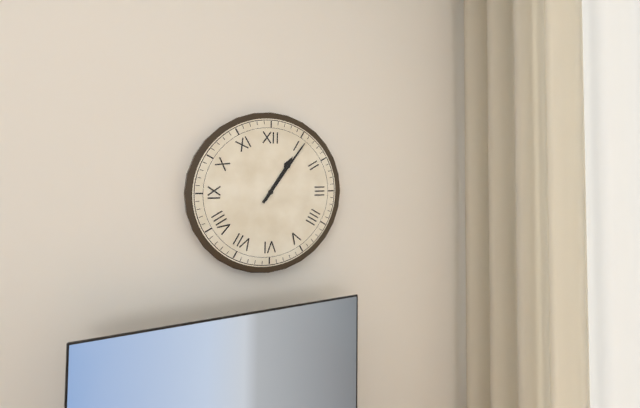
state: 1:06
